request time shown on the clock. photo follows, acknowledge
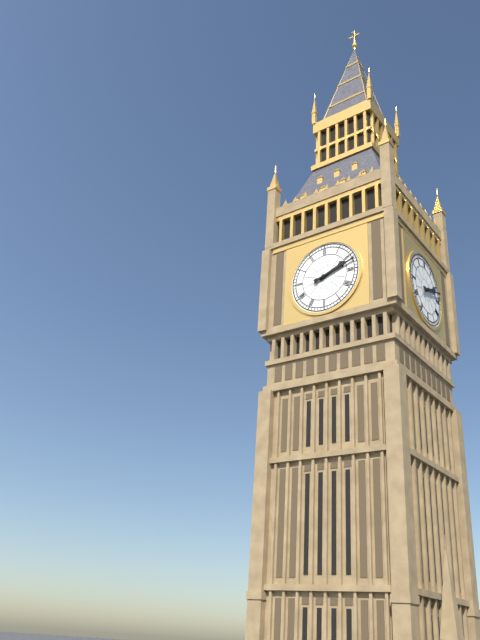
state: 2:12
